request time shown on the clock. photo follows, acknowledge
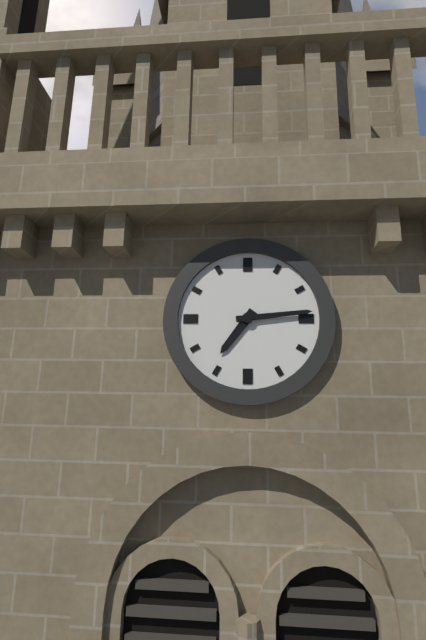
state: 7:14
